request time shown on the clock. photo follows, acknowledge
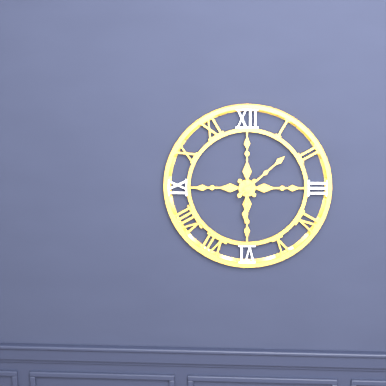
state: 6:08
